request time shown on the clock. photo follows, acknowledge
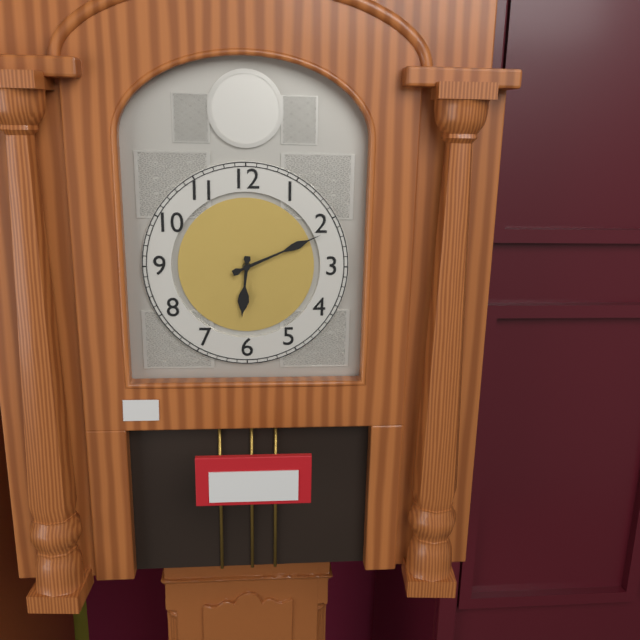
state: 6:11
